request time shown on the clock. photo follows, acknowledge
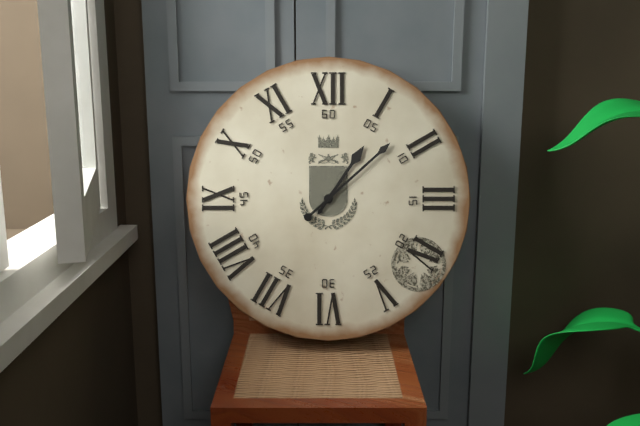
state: 1:08
